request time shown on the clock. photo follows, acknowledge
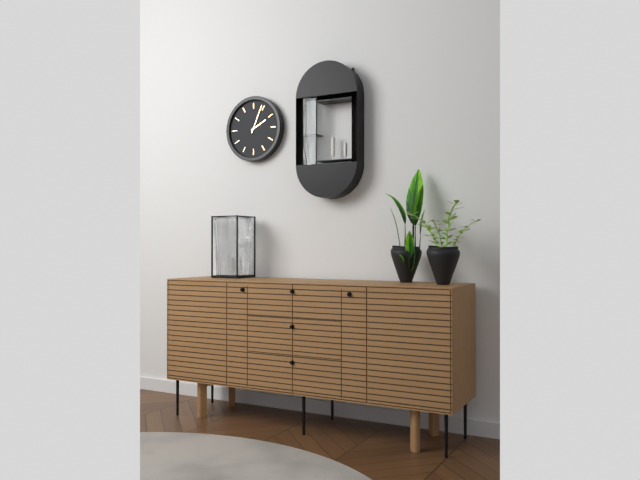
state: 2:04
